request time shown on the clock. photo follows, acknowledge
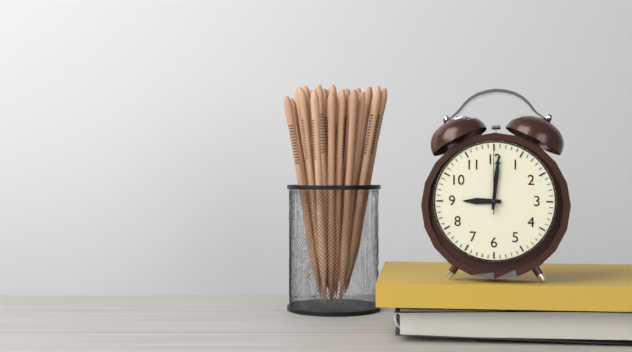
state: 9:01:00
